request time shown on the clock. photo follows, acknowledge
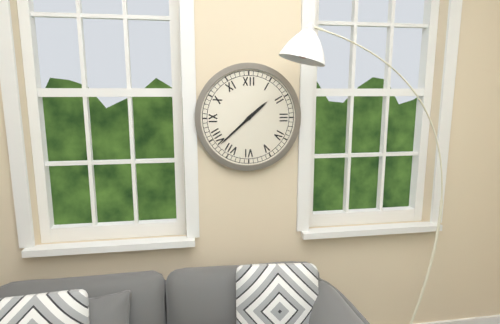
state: 1:38
